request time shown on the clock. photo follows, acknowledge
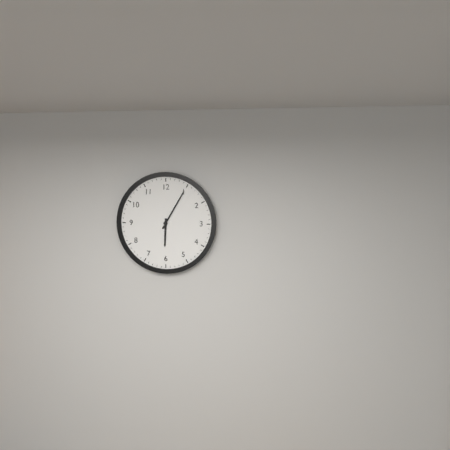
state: 6:05
